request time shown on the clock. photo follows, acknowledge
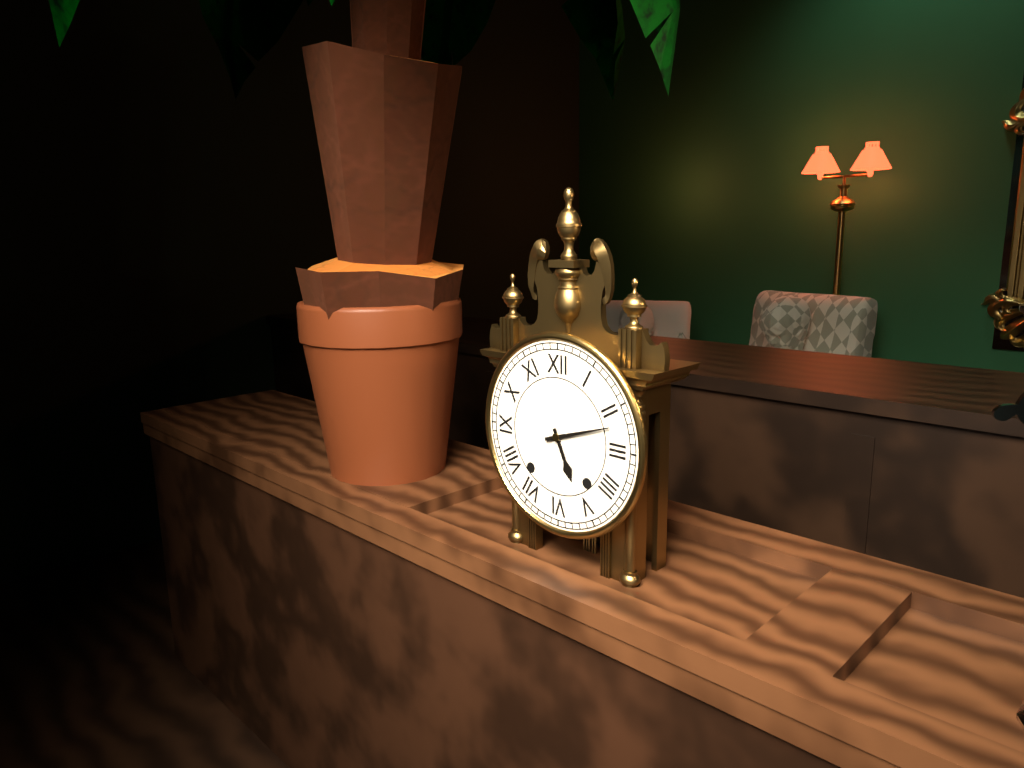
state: 5:12
